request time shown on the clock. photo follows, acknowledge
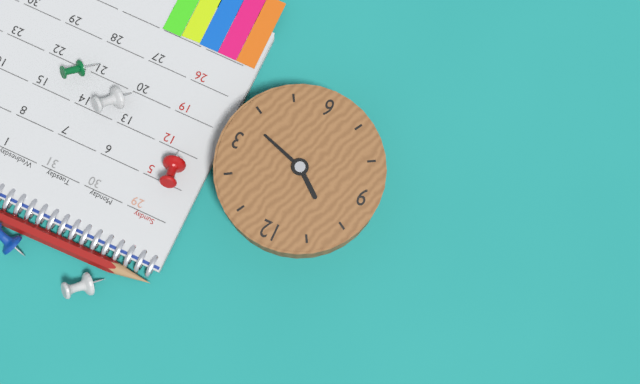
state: 10:18
